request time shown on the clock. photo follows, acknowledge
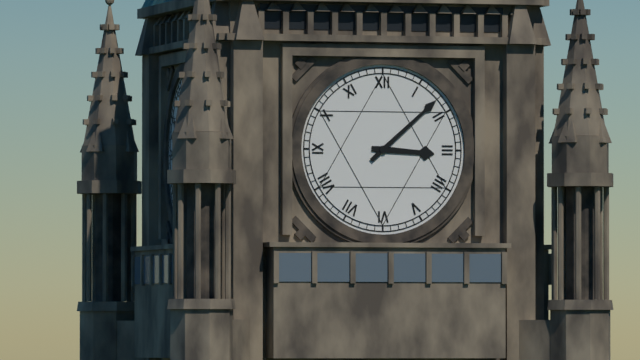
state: 3:08
